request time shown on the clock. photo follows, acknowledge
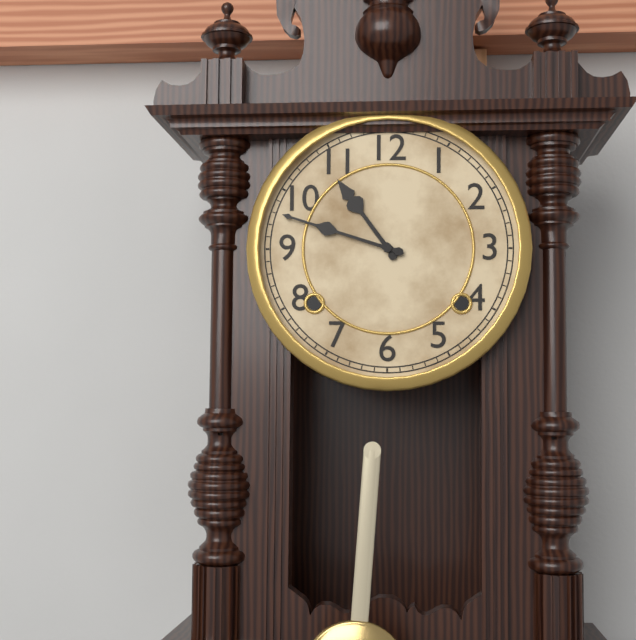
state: 10:48
